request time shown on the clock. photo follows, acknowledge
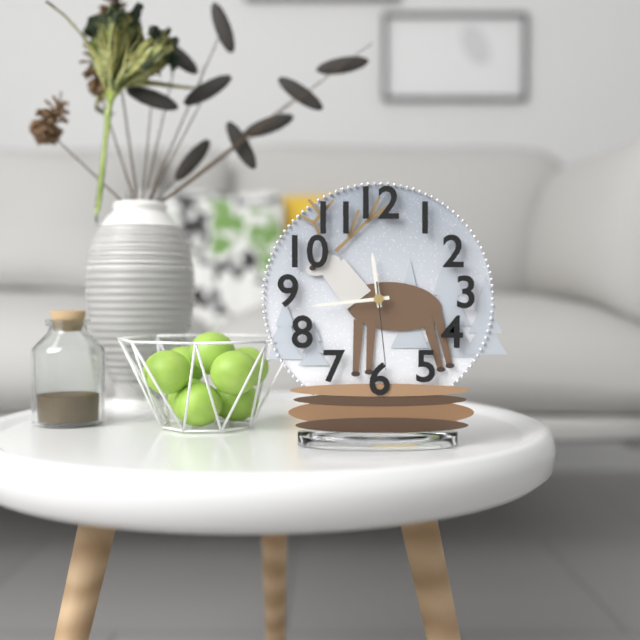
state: 11:44:29
